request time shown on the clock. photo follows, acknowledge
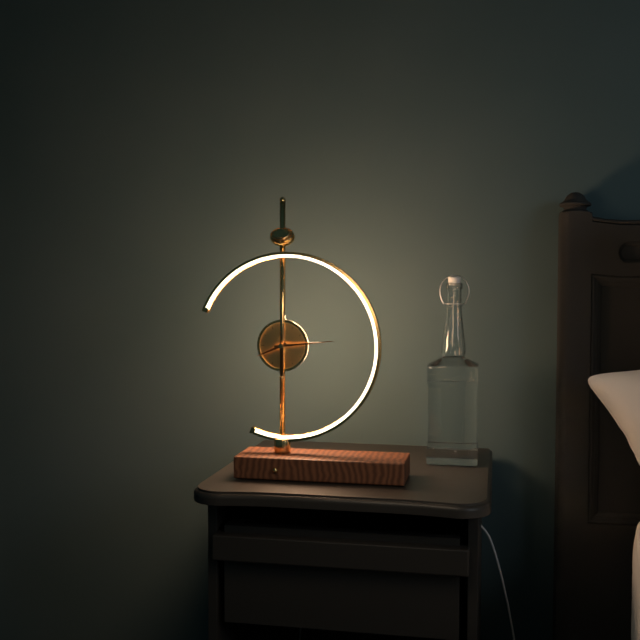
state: 8:14
